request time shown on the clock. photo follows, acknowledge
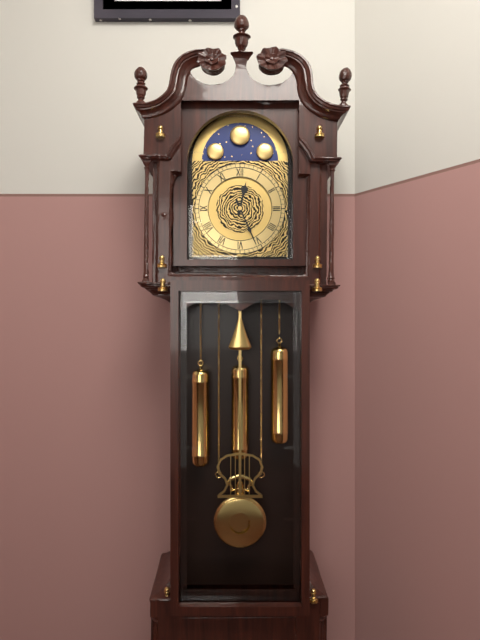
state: 12:26
